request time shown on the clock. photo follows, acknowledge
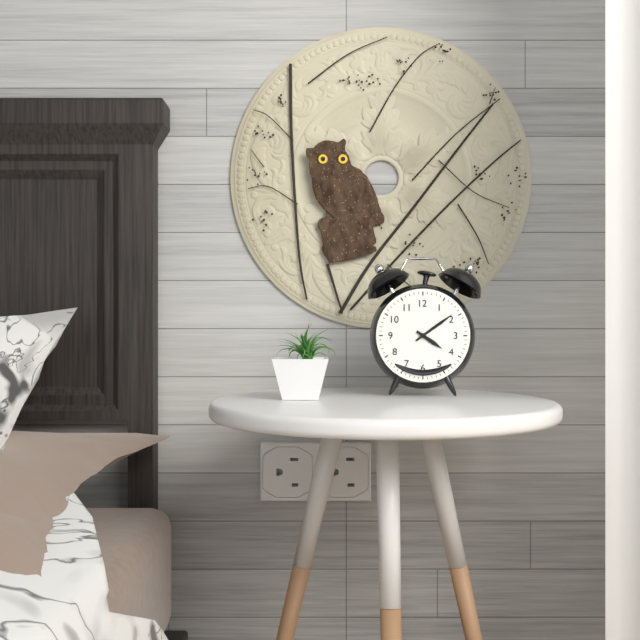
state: 4:09
